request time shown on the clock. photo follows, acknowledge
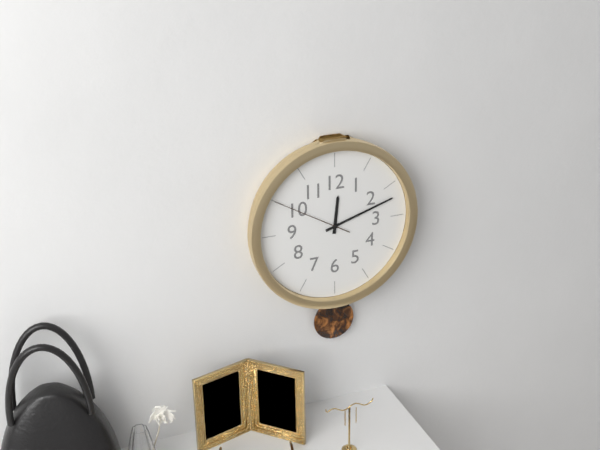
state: 12:12:50
